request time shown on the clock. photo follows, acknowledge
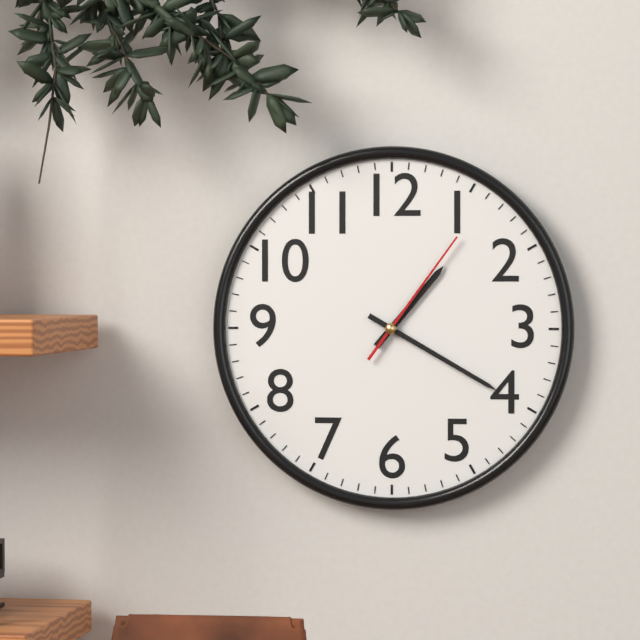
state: 1:20:06
